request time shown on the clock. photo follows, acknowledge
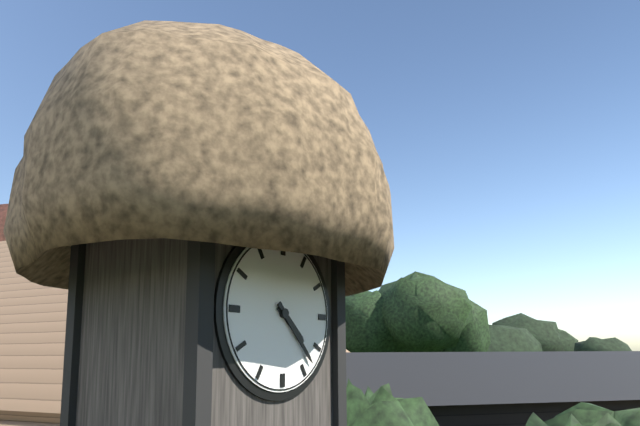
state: 4:23
